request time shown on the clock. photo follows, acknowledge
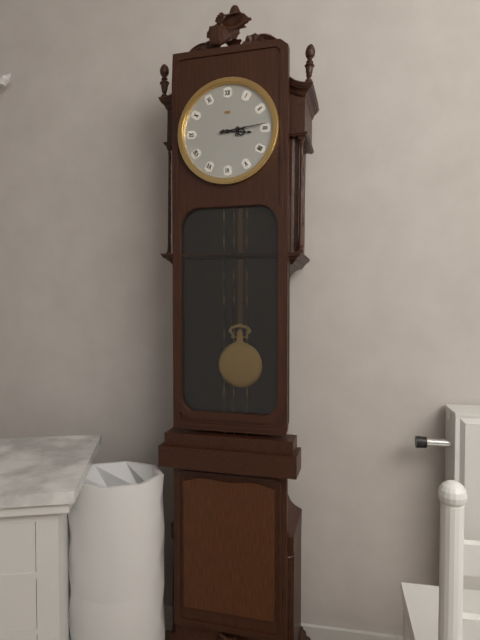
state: 3:14
